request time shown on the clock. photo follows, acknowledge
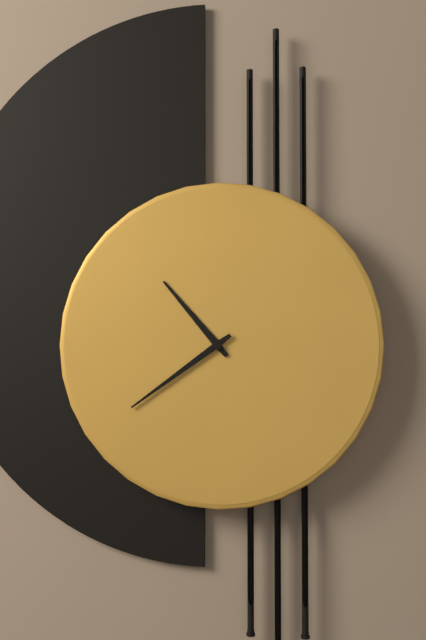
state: 10:39
